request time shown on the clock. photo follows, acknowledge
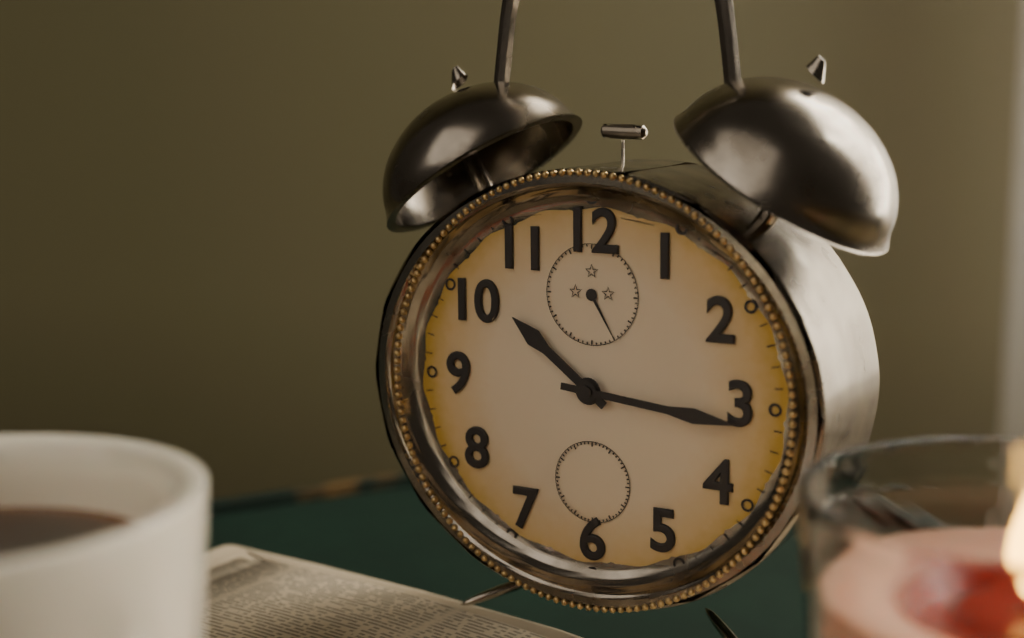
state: 10:16
